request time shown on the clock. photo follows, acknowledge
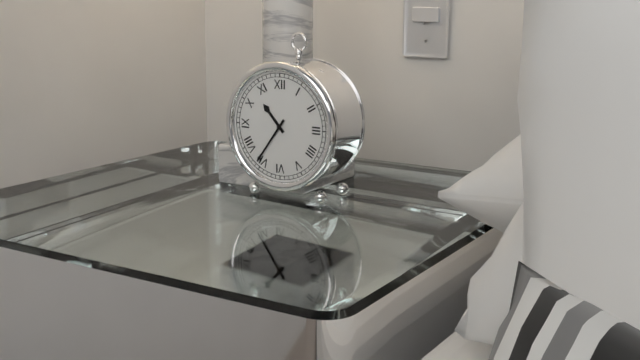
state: 10:36
